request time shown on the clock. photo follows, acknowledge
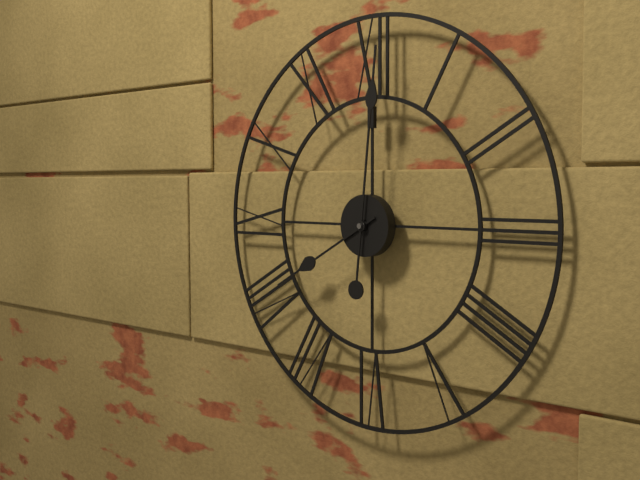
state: 8:01
